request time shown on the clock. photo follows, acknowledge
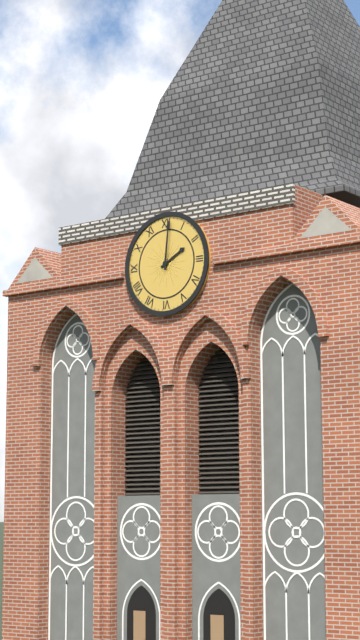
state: 2:01
